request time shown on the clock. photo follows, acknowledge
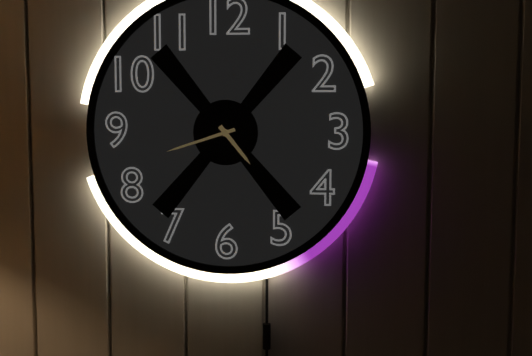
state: 4:42
